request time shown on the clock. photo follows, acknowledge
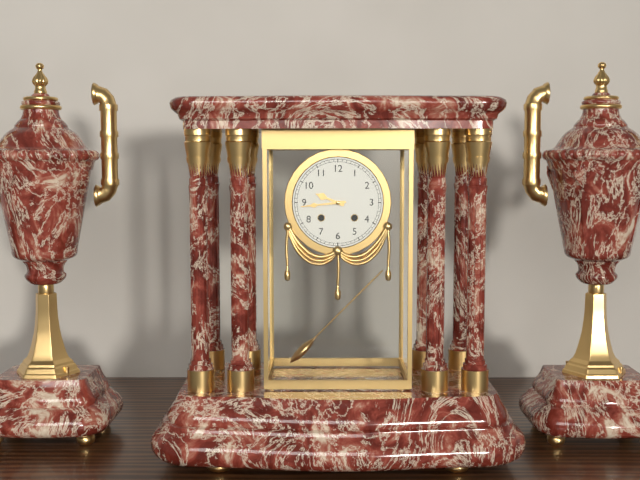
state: 9:44
